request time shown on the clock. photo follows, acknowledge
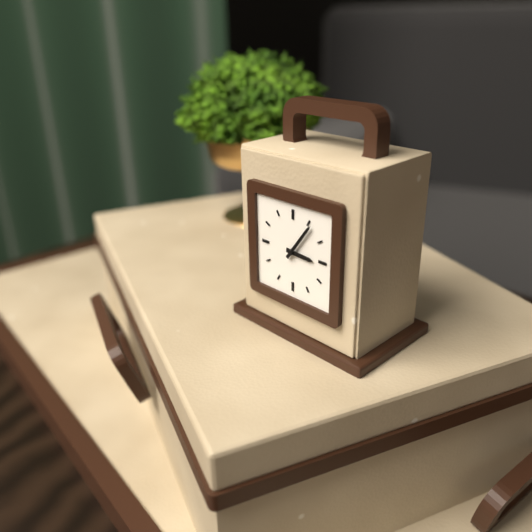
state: 3:06
